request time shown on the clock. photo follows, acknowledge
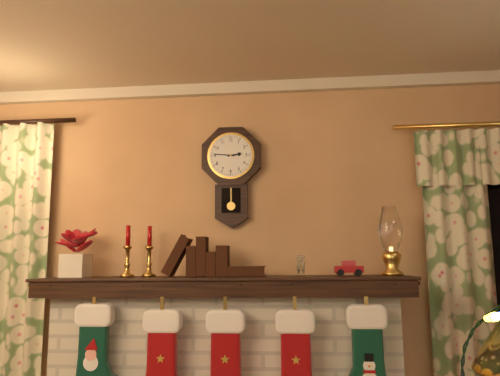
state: 2:46
